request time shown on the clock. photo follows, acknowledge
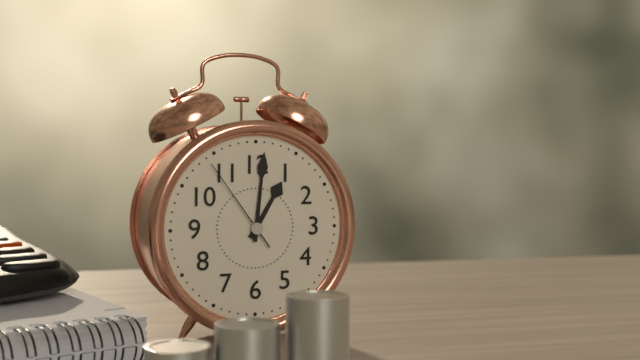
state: 1:01:54
